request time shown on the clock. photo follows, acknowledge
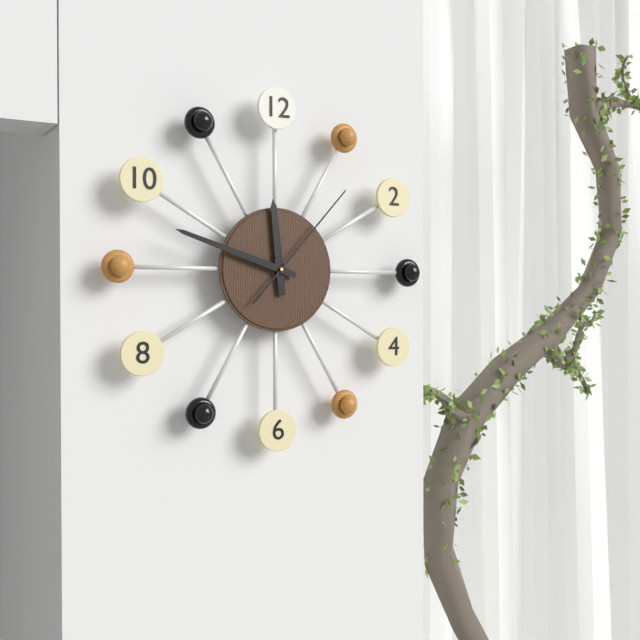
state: 11:48:07
